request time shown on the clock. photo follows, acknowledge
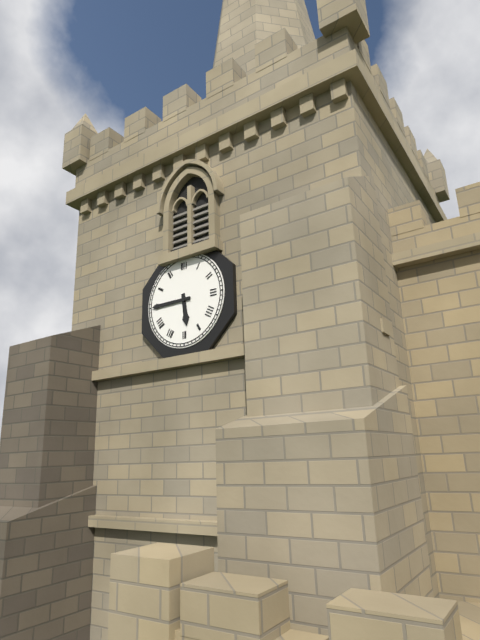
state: 5:45
